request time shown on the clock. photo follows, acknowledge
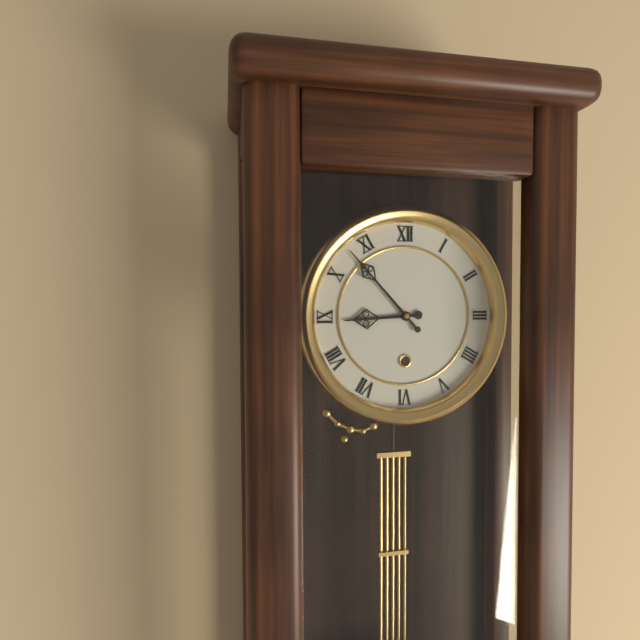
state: 8:53
